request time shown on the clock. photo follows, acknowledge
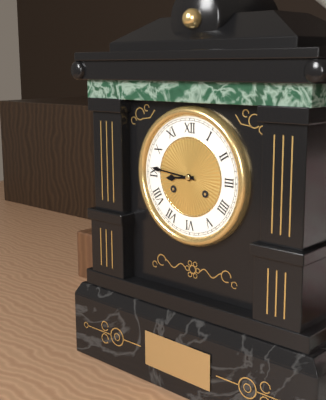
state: 8:46
